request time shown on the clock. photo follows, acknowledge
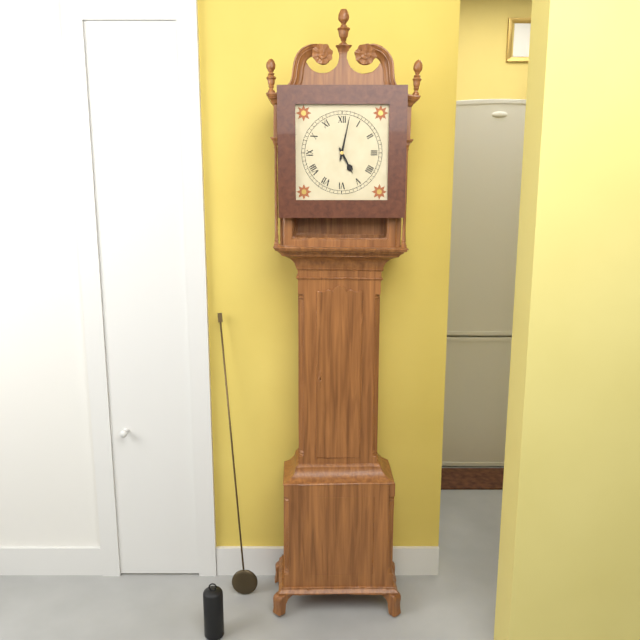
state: 5:02
